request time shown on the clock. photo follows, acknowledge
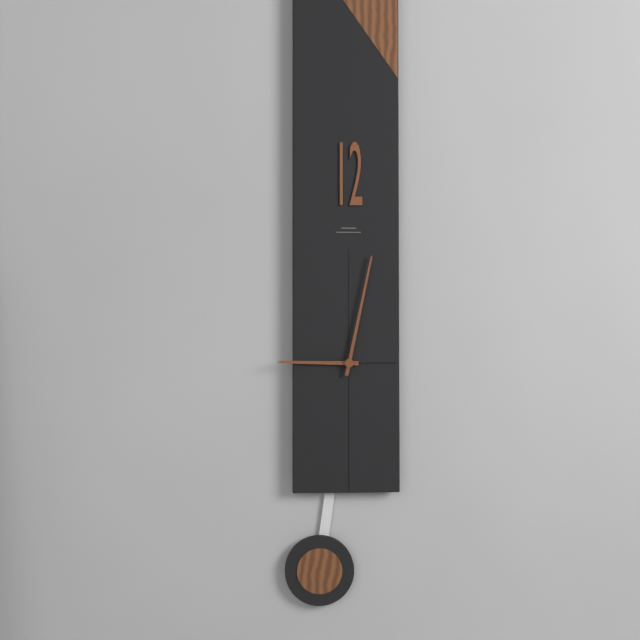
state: 9:02
